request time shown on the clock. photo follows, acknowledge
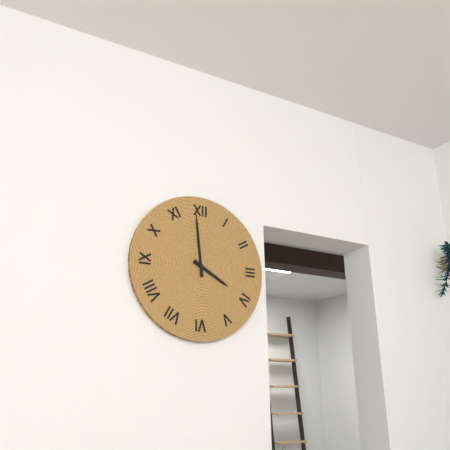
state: 3:59
